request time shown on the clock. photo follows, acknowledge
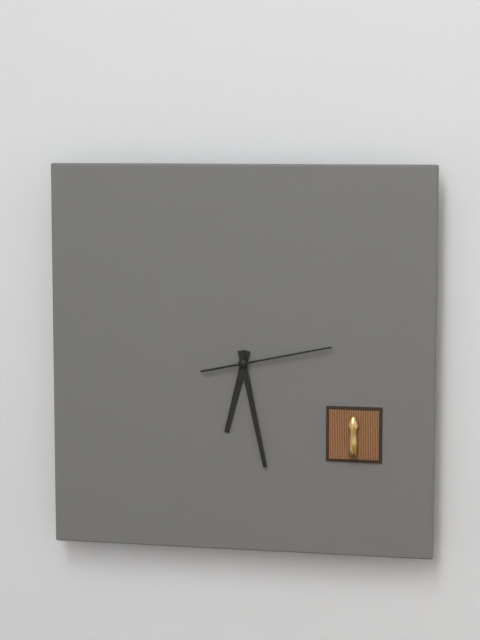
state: 6:28:13
